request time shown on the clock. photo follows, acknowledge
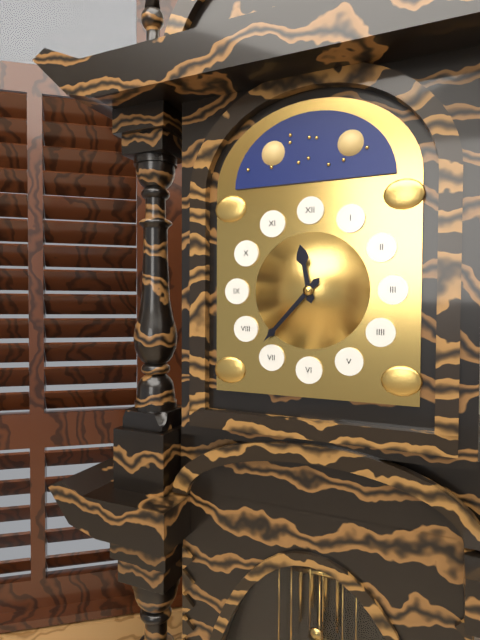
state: 11:37
